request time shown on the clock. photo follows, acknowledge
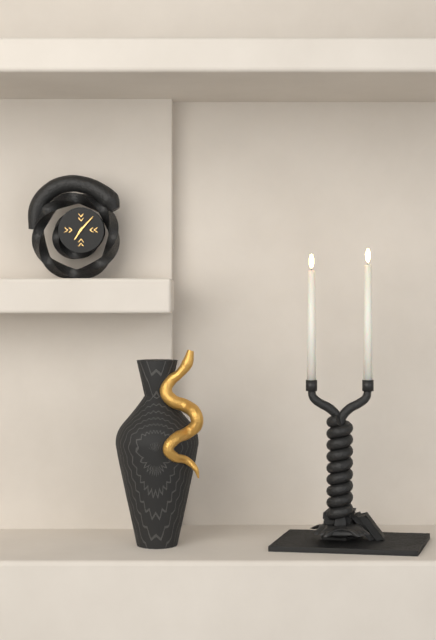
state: 7:07
